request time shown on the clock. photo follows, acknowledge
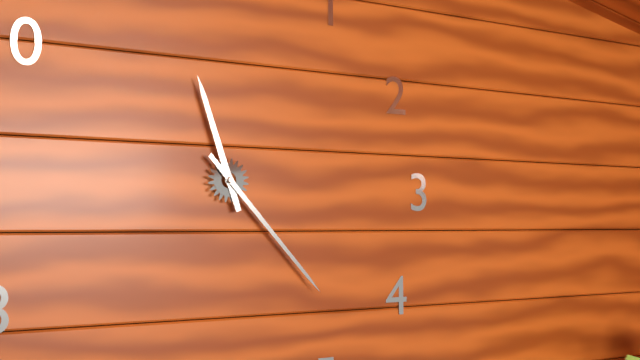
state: 11:23
